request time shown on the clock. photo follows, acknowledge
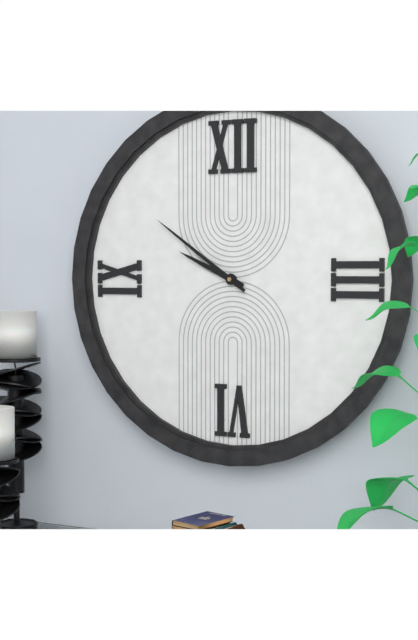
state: 9:51
